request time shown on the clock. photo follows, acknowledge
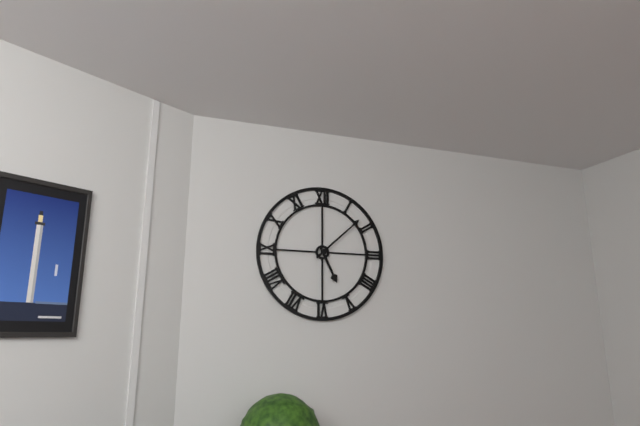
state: 5:08
